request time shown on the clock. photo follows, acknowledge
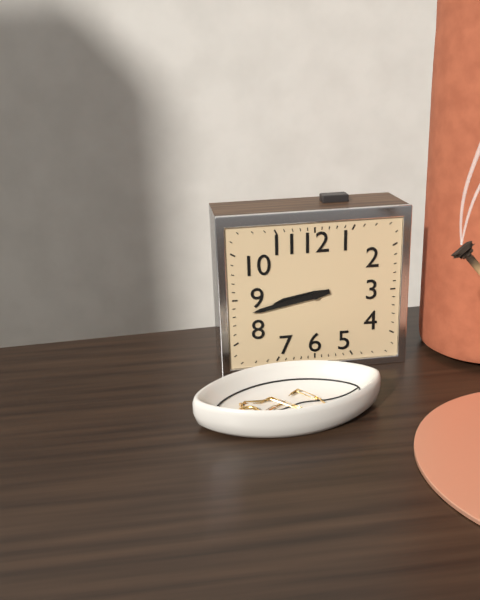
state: 8:43
